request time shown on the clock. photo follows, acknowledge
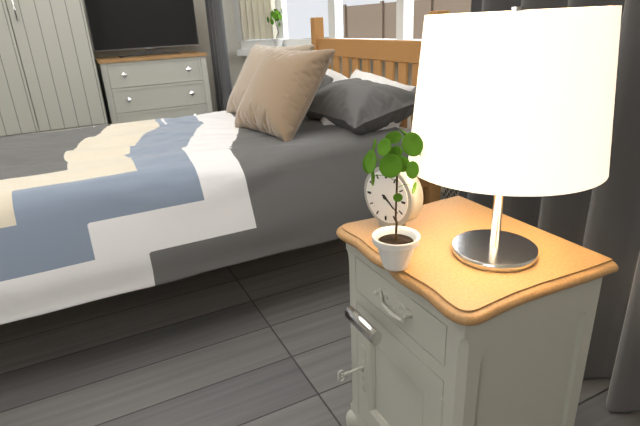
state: 4:21
